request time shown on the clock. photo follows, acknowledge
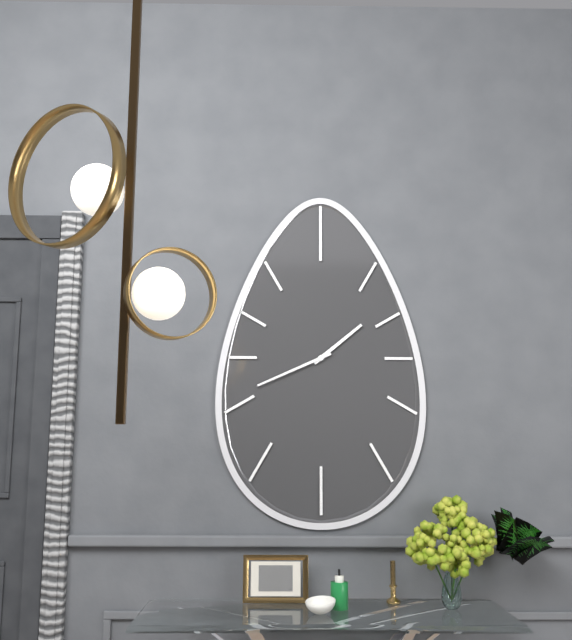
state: 1:41
